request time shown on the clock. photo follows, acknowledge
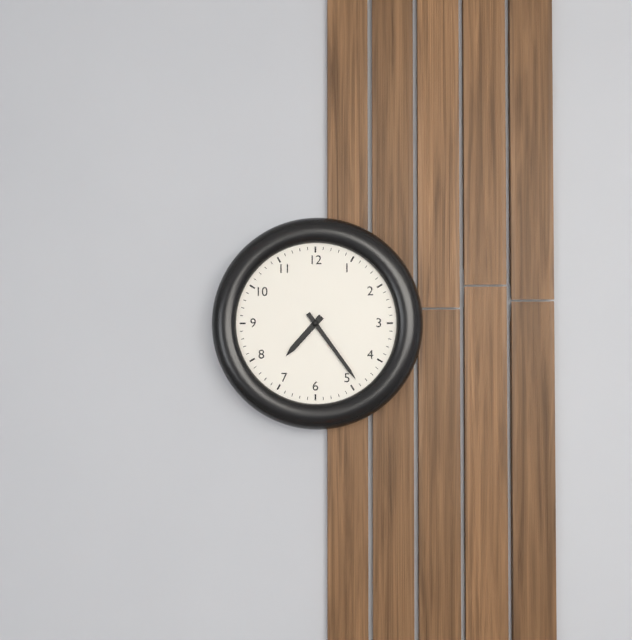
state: 7:24
